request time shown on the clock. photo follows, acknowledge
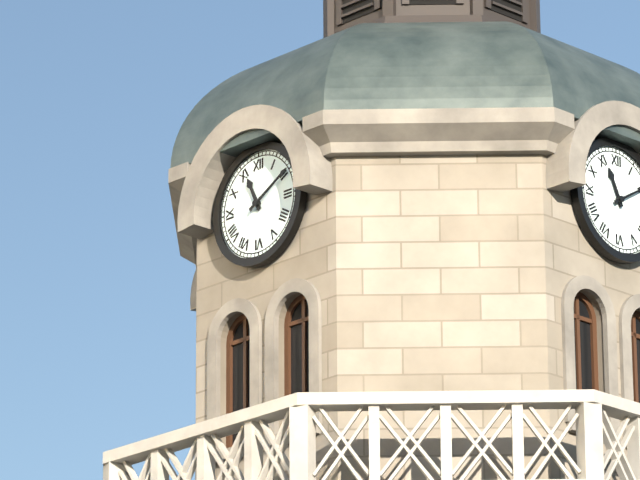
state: 11:10
